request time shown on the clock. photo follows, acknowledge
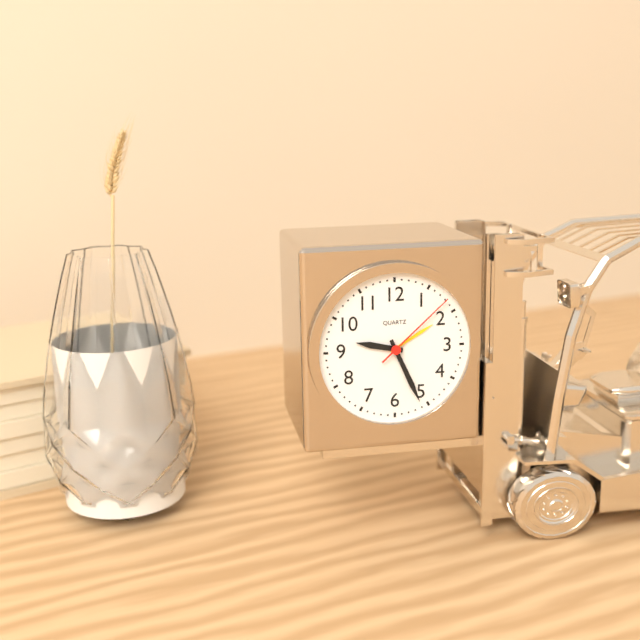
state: 9:26:08
